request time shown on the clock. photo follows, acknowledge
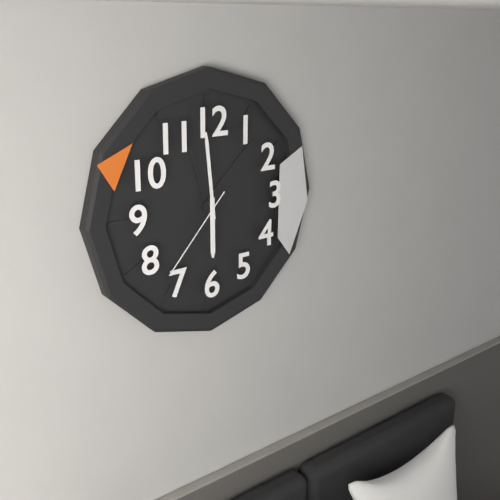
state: 5:59:37
